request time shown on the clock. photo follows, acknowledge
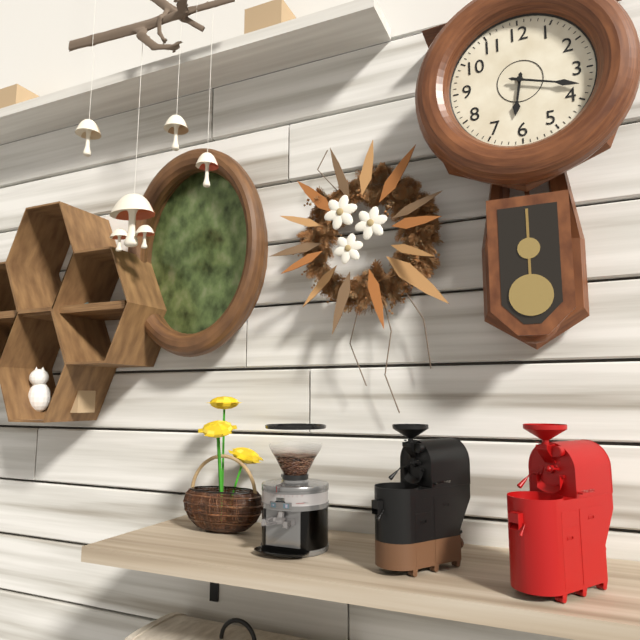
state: 6:18
